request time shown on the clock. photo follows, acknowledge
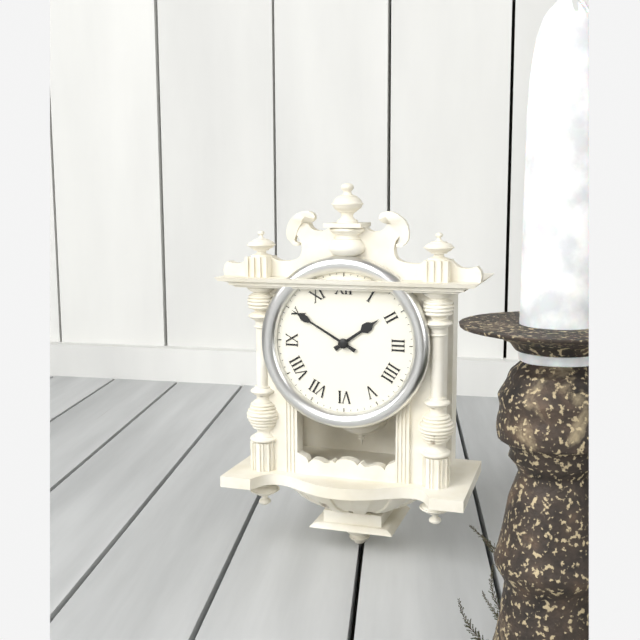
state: 1:50
